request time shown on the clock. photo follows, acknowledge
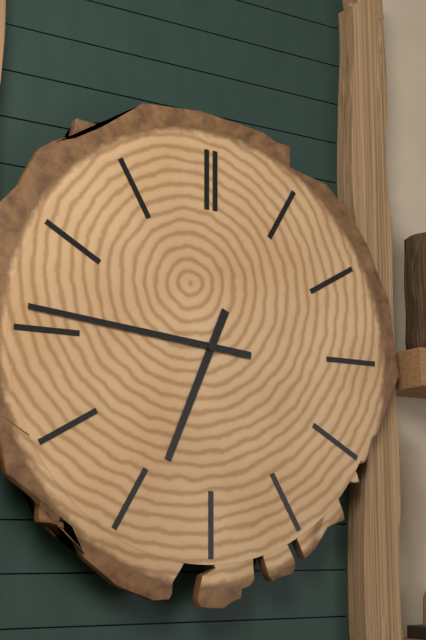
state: 6:46
